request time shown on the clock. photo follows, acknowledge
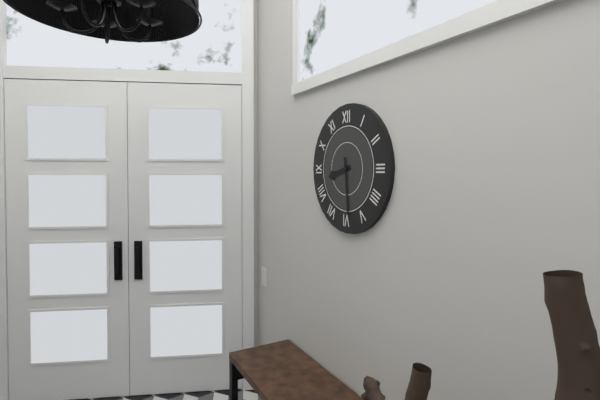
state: 8:29
